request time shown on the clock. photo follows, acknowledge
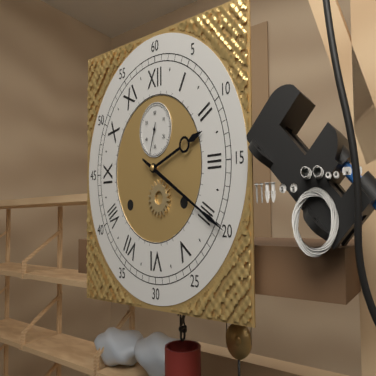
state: 2:20
